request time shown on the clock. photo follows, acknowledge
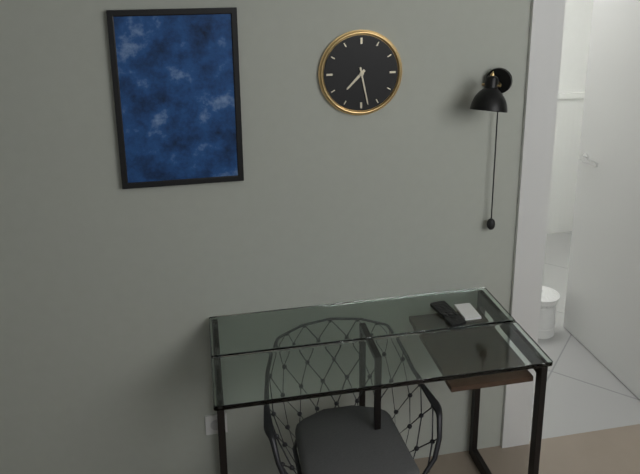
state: 7:28
